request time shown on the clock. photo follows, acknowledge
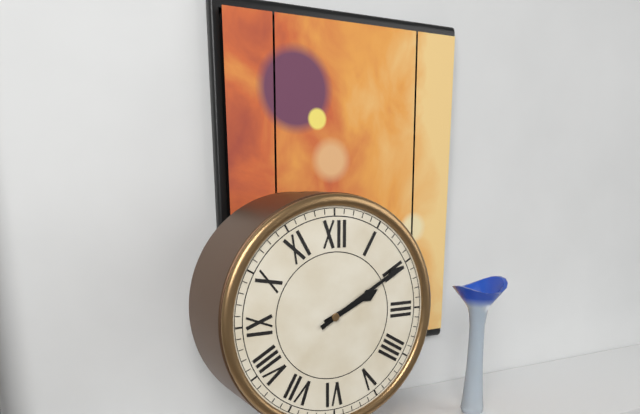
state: 2:10
